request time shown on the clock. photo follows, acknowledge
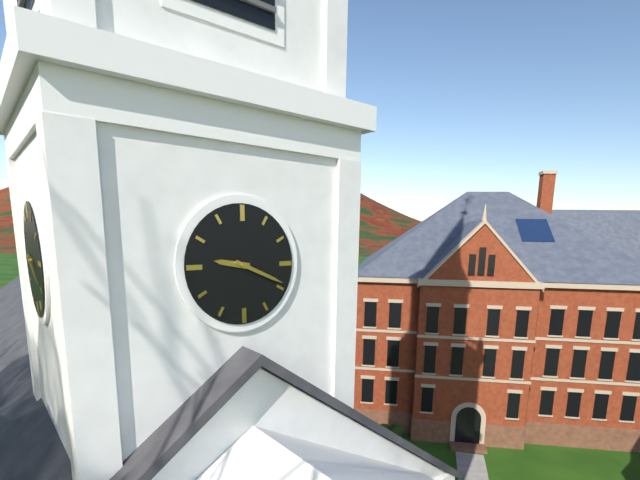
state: 9:19
